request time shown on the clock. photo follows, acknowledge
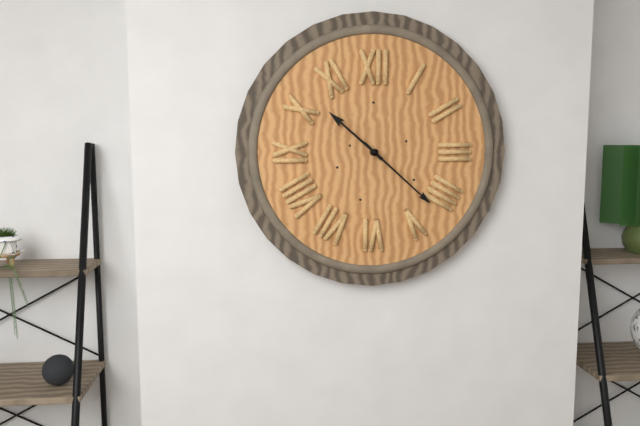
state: 10:22
